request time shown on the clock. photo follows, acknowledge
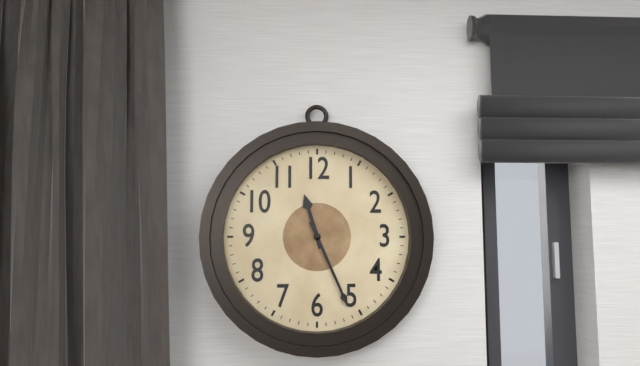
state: 11:26
